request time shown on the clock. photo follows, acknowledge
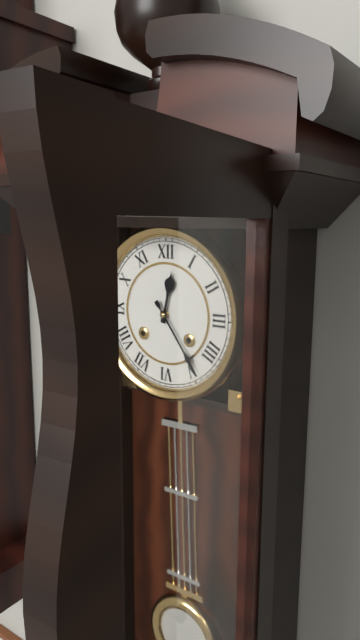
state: 12:24
